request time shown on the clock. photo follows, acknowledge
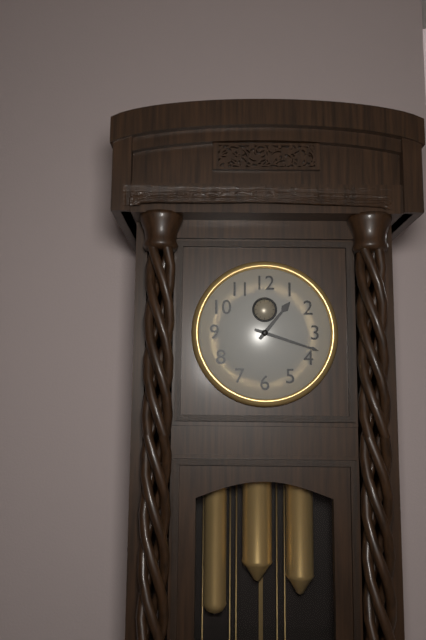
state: 1:18
